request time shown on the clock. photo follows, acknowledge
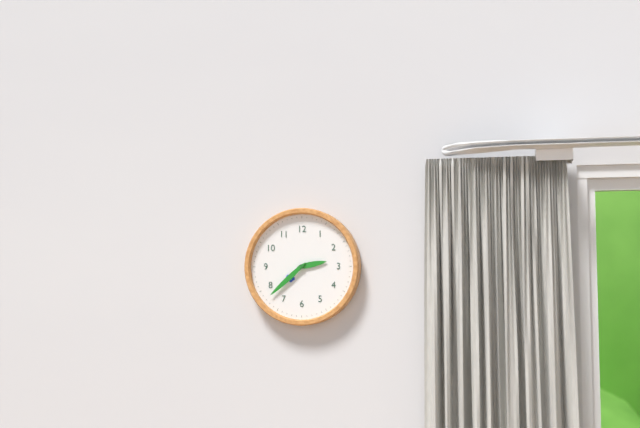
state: 2:38
